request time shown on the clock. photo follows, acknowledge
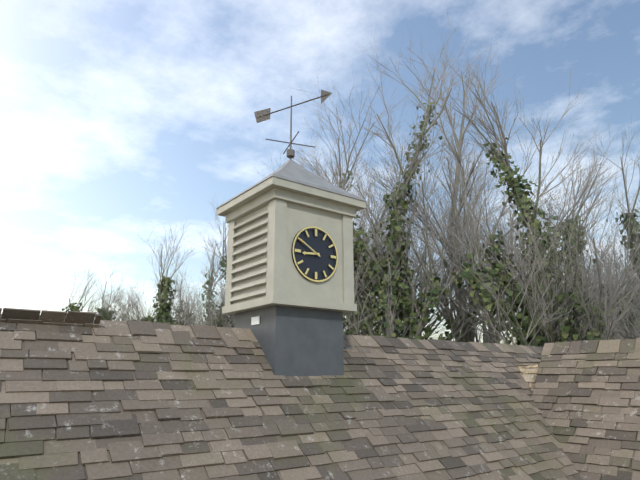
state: 8:50
